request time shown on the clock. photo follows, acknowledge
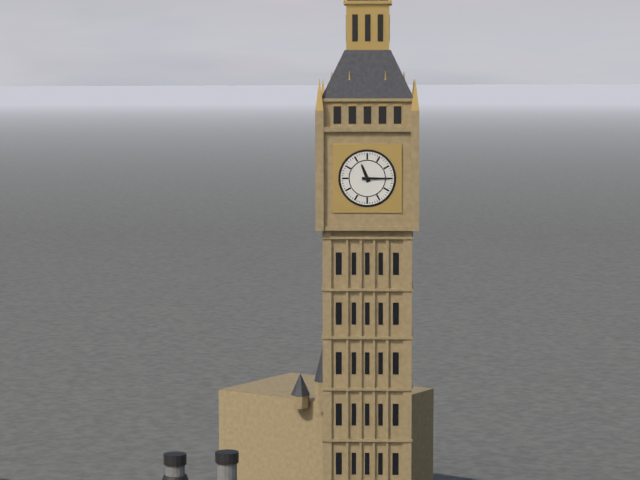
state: 11:15
